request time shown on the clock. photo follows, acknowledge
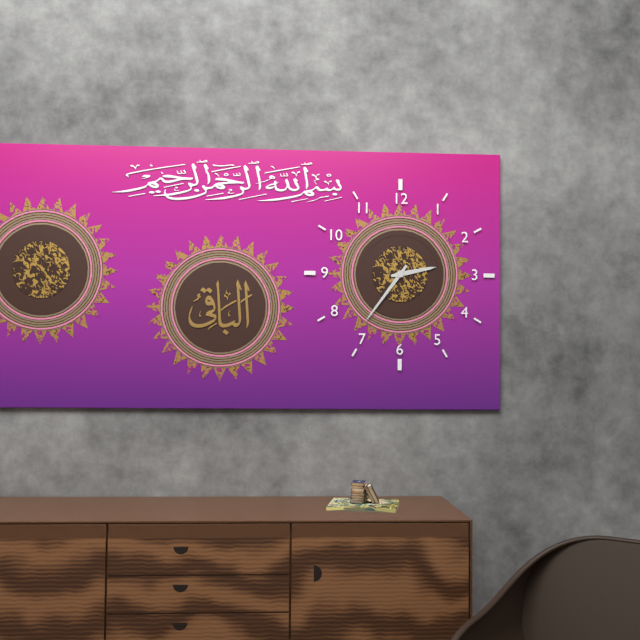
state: 2:36
